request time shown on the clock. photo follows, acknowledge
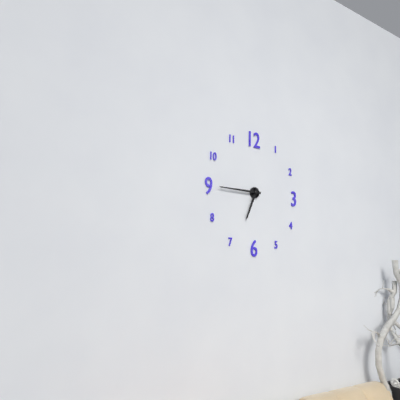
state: 6:45
